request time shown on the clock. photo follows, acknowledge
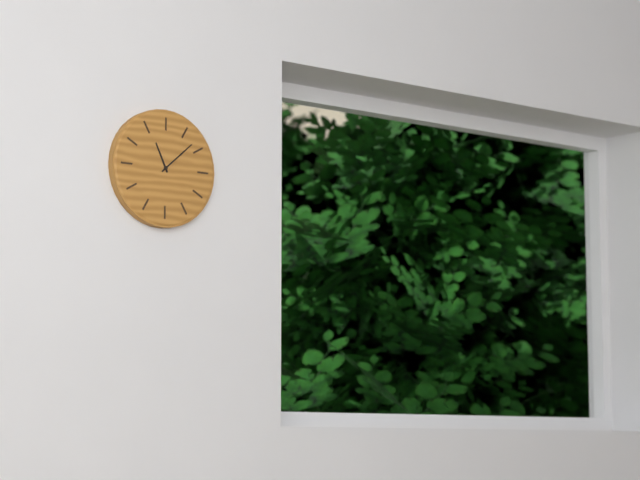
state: 11:08
